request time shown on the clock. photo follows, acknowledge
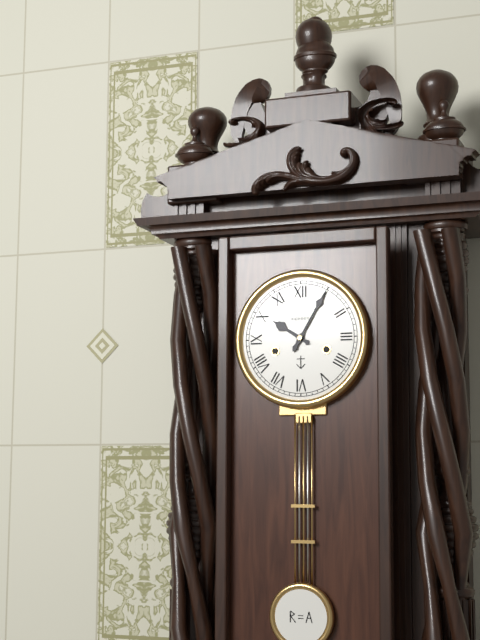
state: 10:05
